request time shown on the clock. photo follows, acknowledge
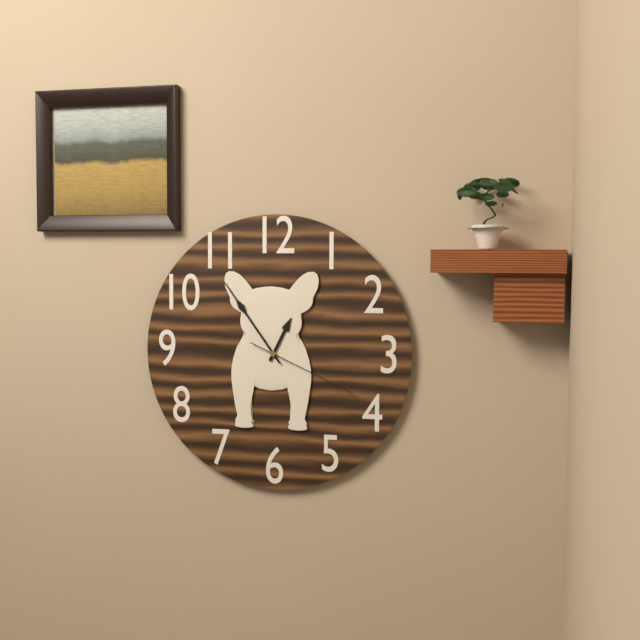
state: 12:54:19
